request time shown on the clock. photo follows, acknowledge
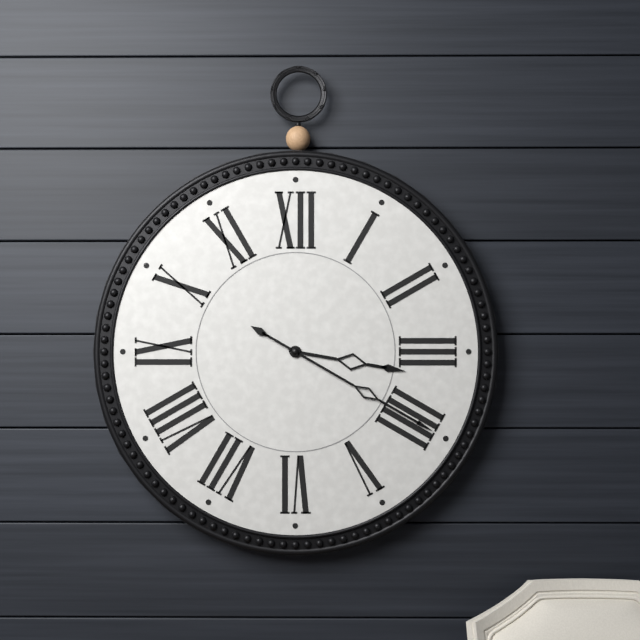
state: 3:20
